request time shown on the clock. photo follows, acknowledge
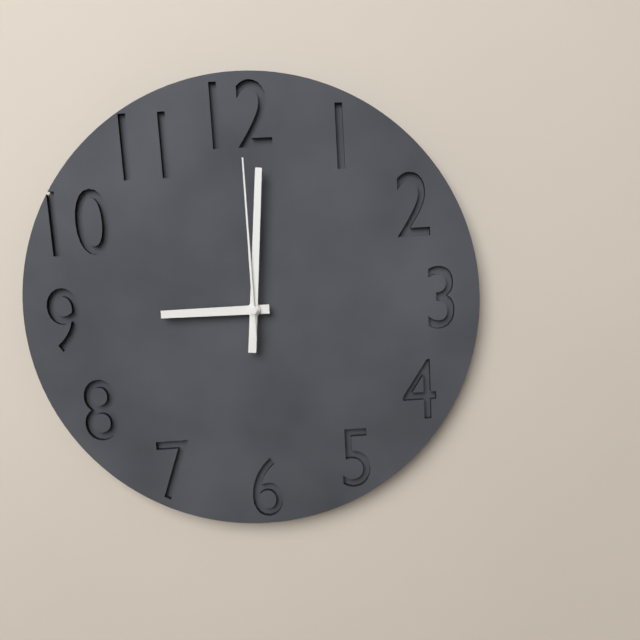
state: 9:01:00
